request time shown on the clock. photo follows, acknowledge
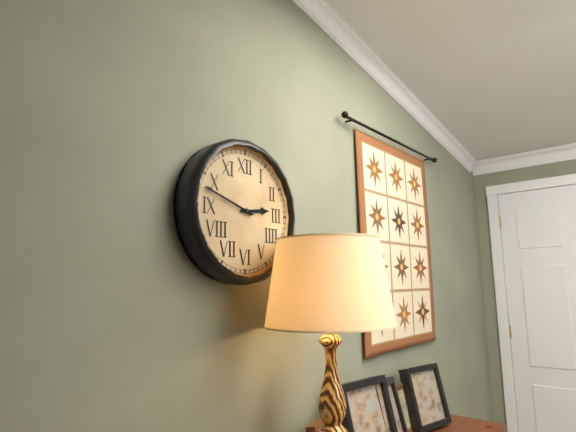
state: 2:48
